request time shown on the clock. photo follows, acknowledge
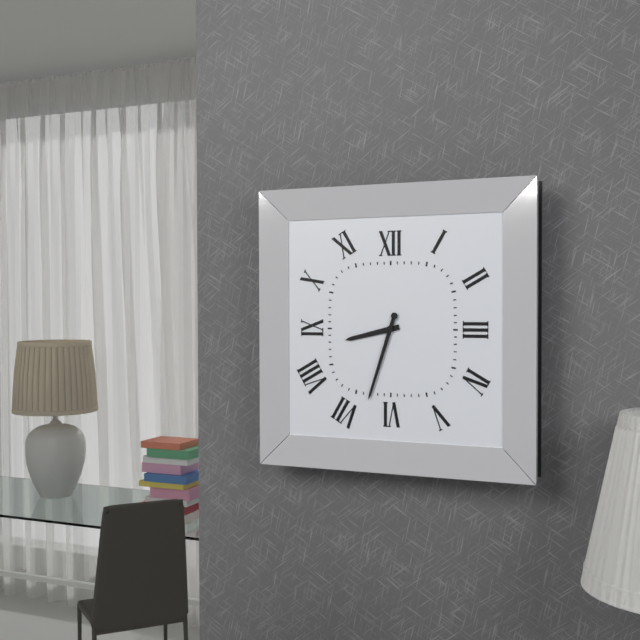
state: 8:33
